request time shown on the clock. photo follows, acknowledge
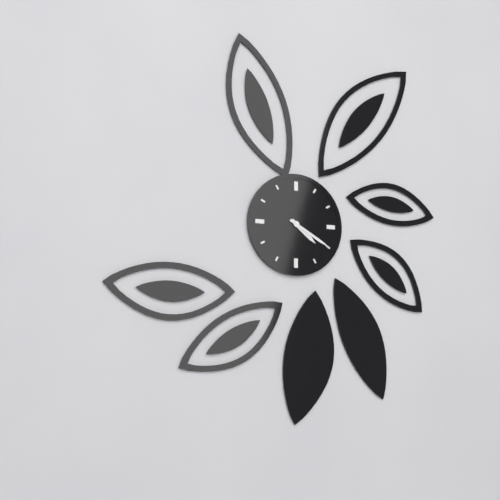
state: 4:20
